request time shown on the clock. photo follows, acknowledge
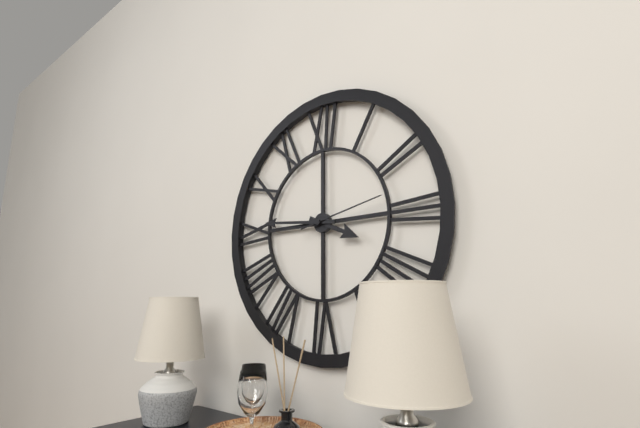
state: 3:46:13
